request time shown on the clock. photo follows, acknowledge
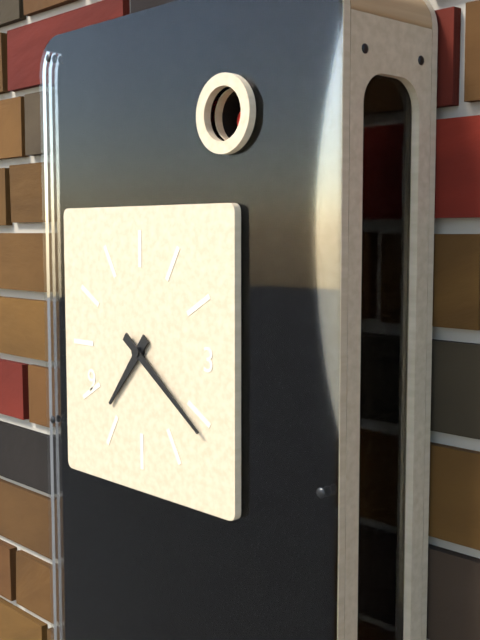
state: 7:21
